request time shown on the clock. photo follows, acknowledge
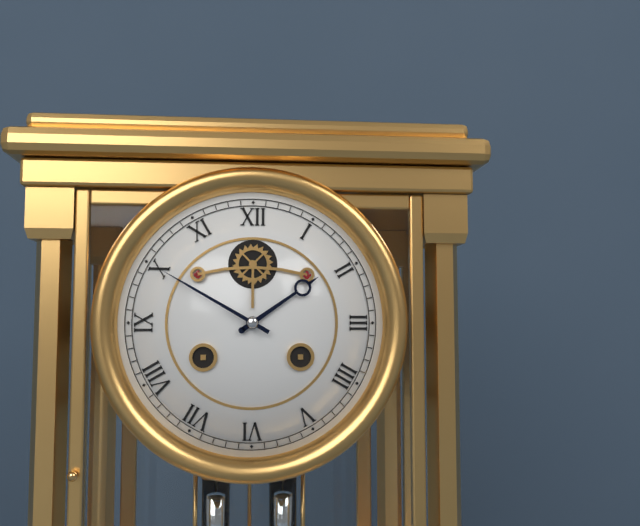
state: 1:50
